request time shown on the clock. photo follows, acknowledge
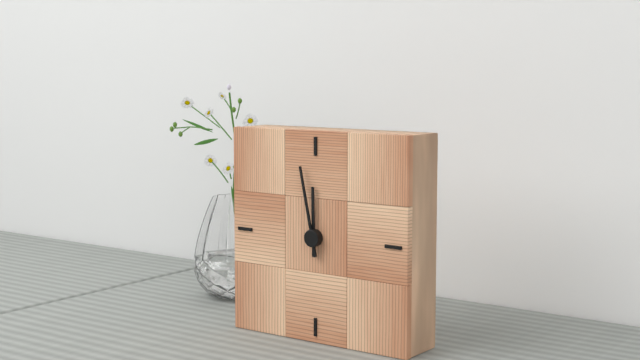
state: 11:58
